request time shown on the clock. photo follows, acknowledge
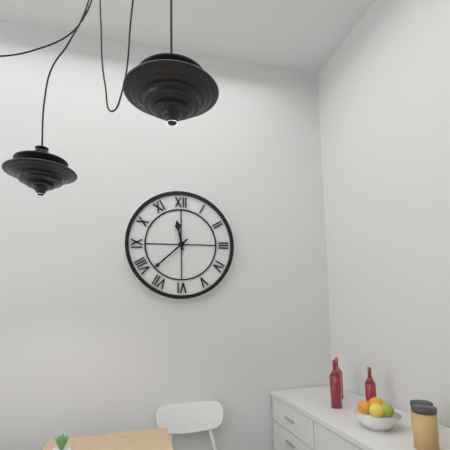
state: 11:38
